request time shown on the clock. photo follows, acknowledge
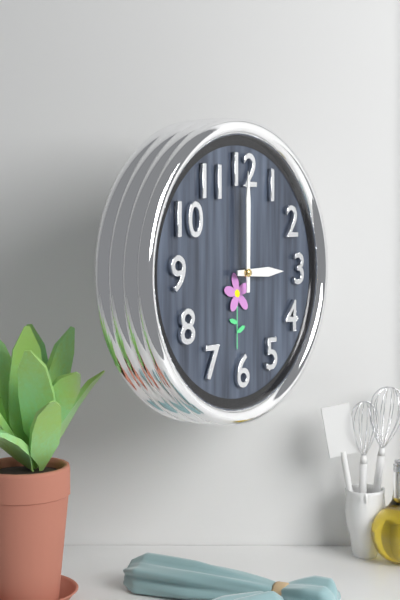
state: 3:00
